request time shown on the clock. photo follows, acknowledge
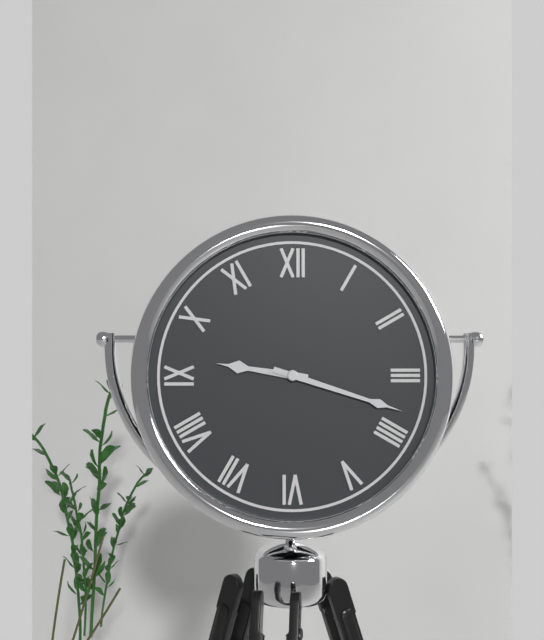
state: 9:18
